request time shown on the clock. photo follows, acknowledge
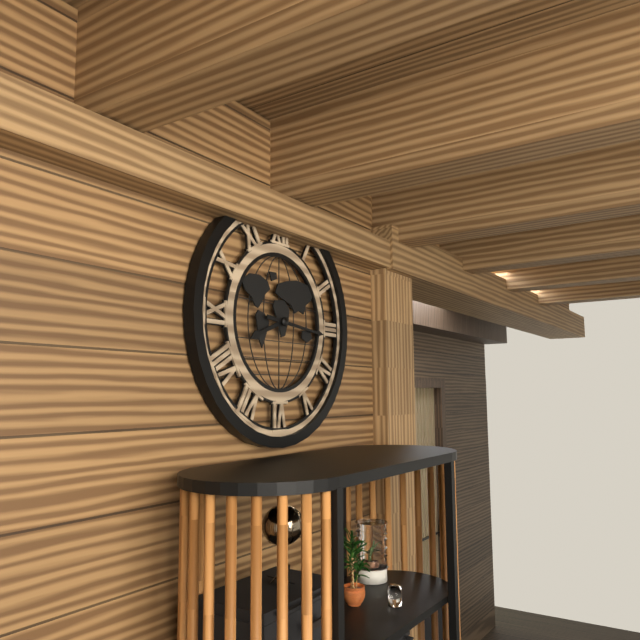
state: 8:16
